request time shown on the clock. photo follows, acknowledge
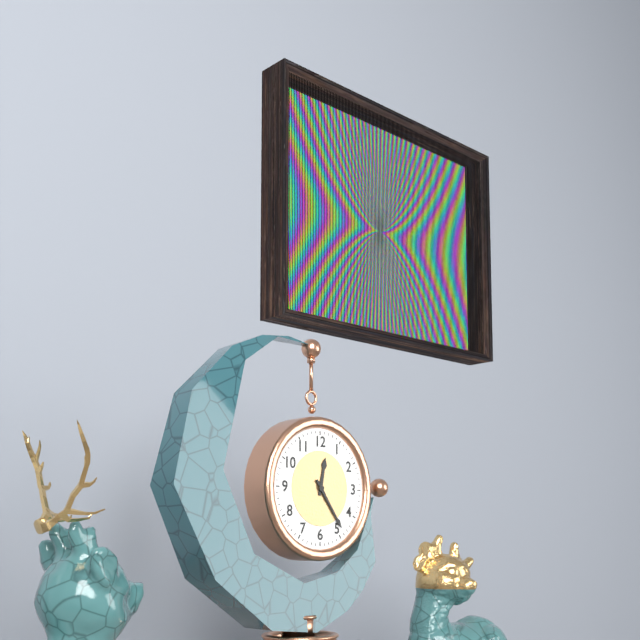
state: 12:24
